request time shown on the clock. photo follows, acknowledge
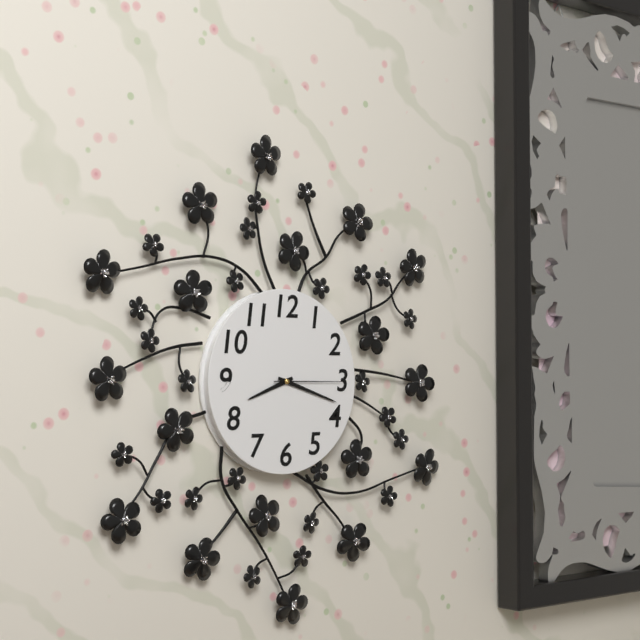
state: 8:18:15
